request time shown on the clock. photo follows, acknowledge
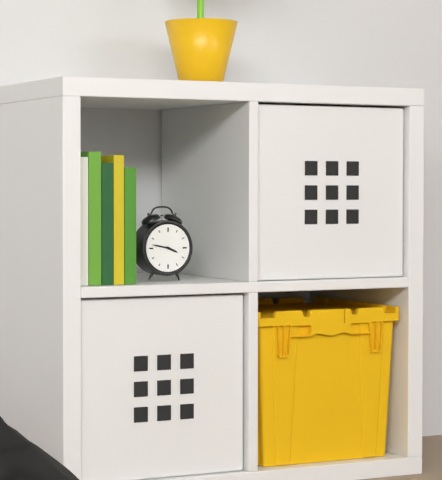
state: 3:47
